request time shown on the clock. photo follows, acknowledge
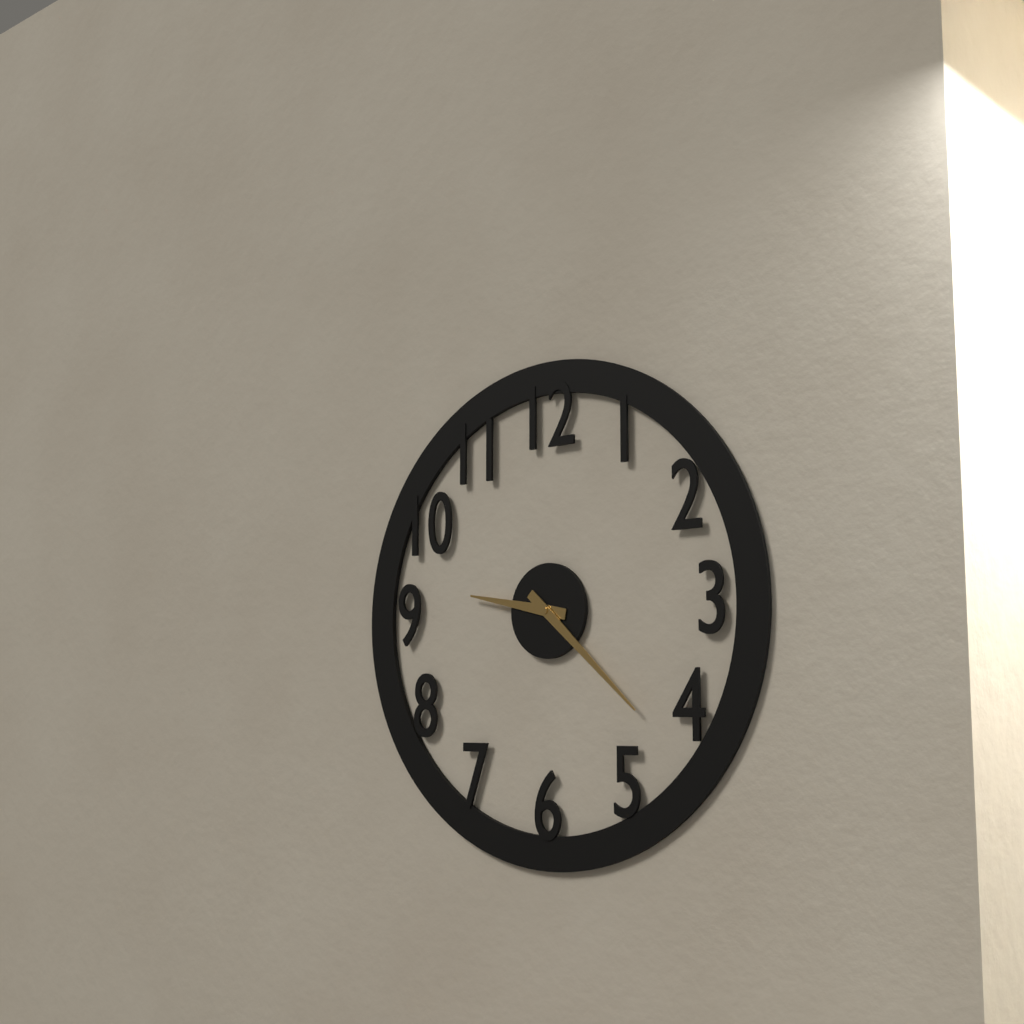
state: 9:22
